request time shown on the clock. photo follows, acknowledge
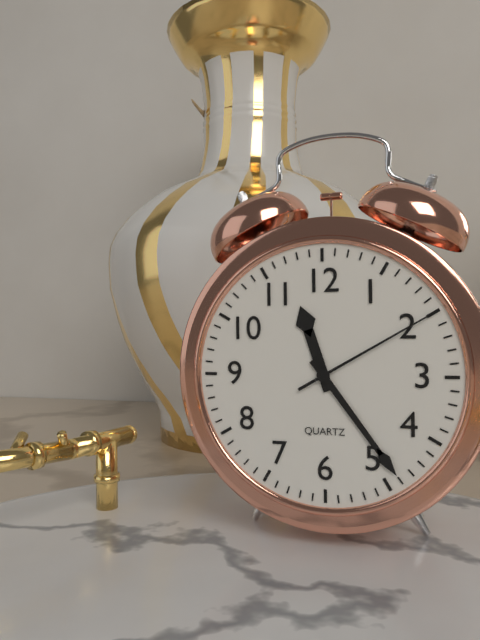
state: 11:24:10
